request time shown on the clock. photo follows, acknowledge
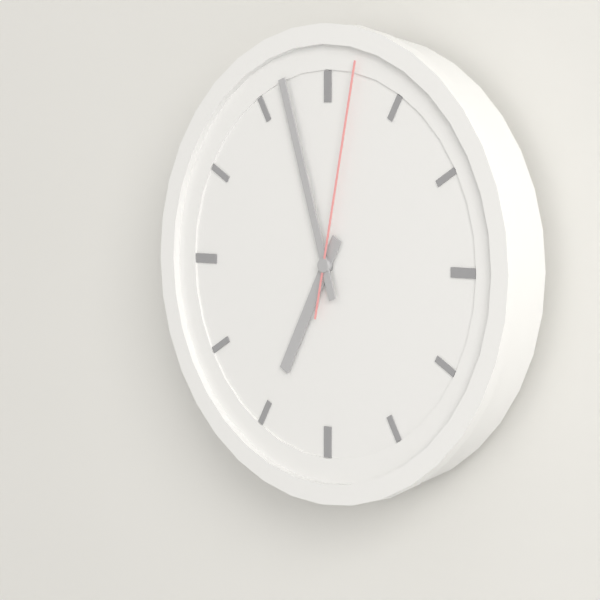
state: 6:57:02
